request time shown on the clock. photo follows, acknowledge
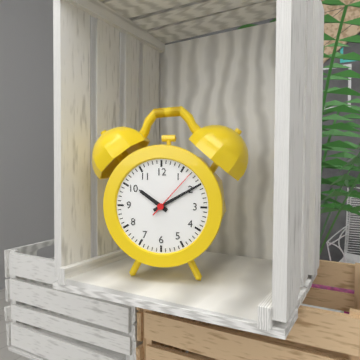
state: 10:10:07
